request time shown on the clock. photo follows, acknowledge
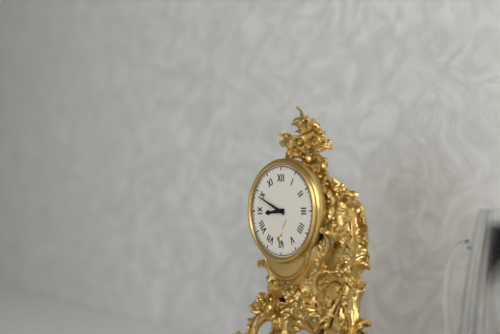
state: 8:49
